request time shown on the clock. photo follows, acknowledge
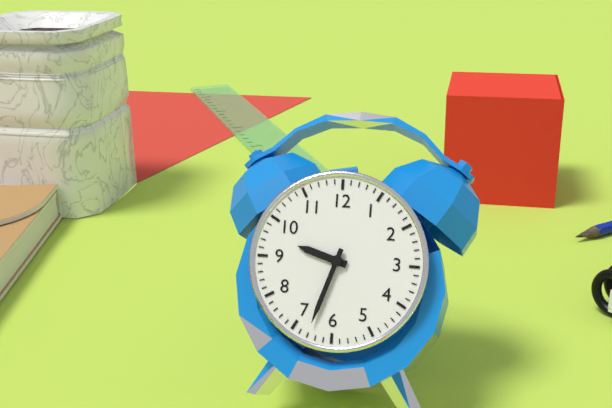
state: 9:33
